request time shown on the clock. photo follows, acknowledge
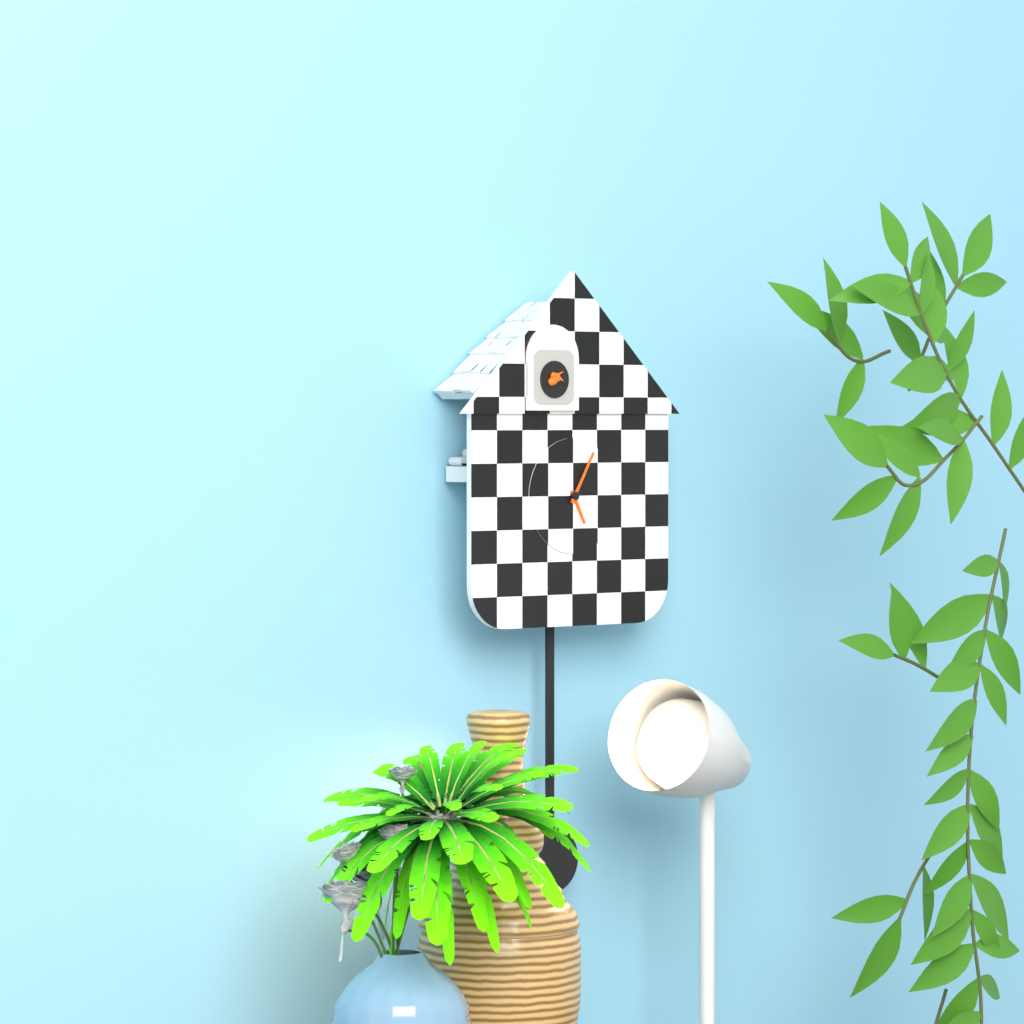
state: 5:05
